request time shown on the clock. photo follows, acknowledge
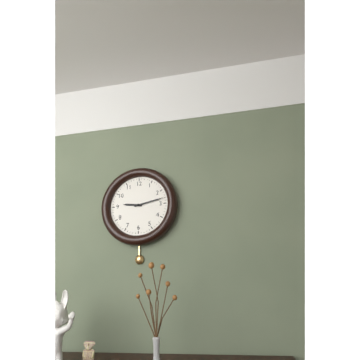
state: 9:13
